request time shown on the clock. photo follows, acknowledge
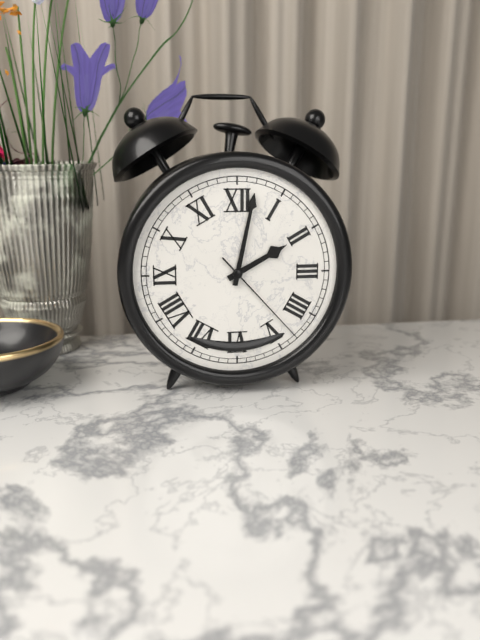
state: 2:02:23
